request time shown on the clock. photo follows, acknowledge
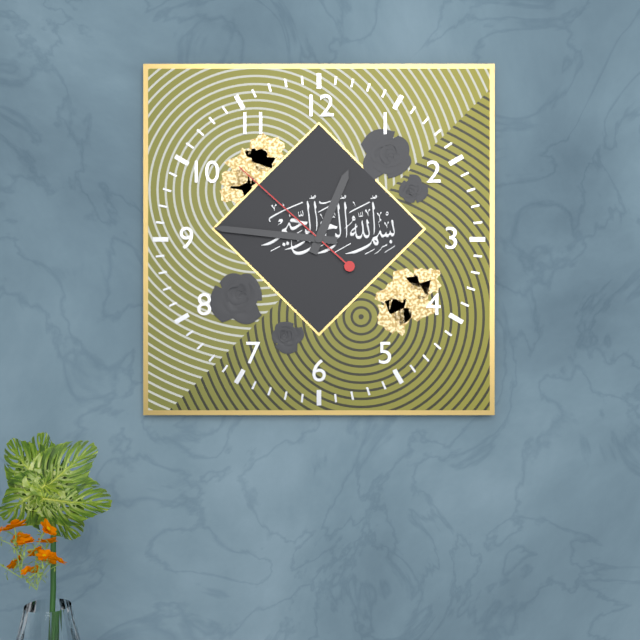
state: 12:46:52
